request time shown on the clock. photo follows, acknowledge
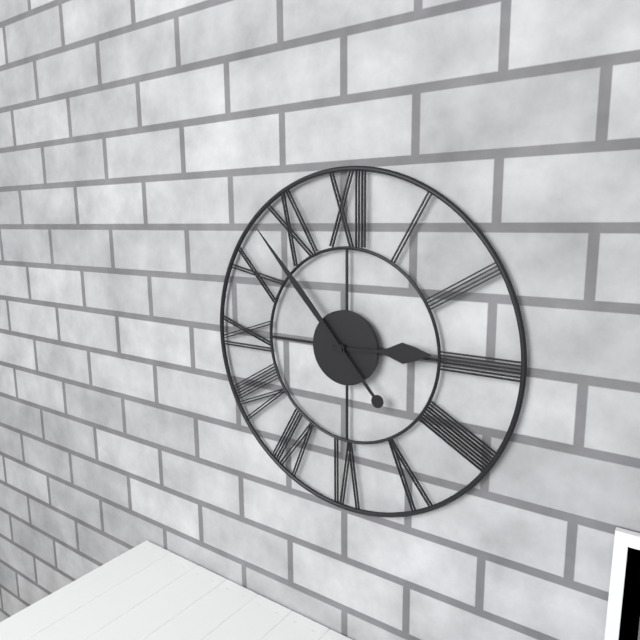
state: 2:53
